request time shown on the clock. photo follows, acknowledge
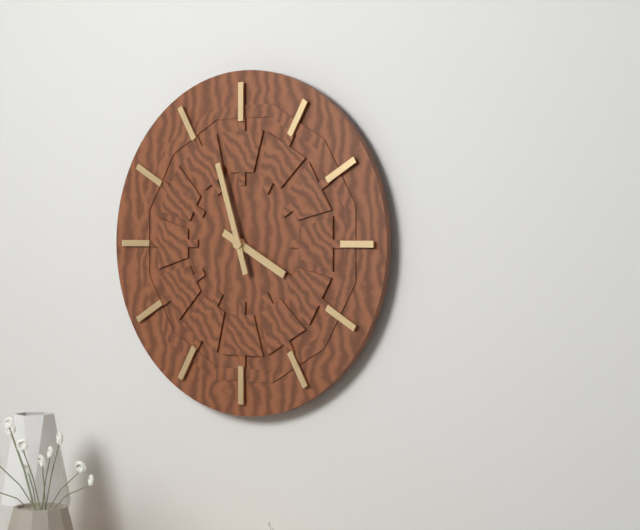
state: 3:57
